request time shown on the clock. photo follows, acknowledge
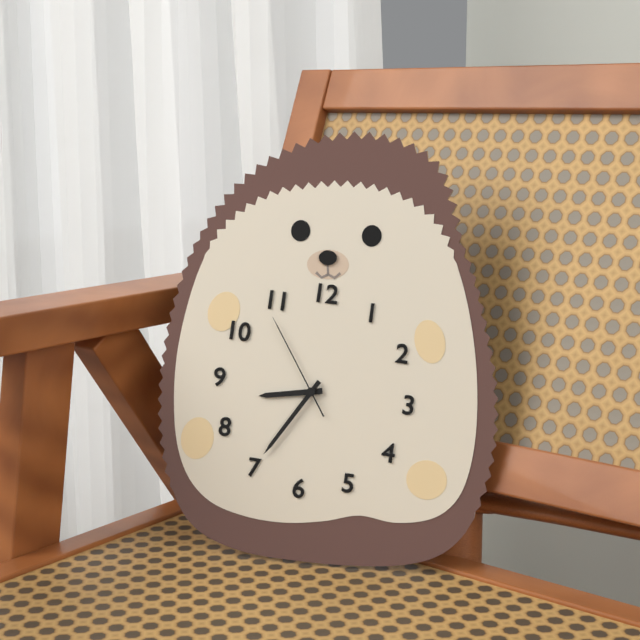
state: 8:35:54
